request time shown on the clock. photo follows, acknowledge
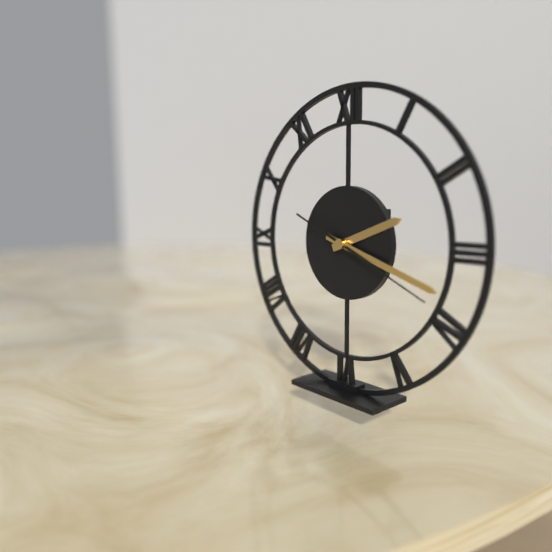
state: 2:18:19
